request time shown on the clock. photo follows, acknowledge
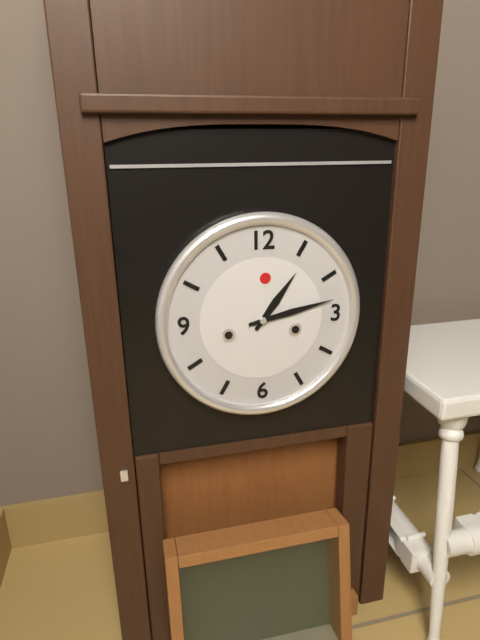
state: 1:13
